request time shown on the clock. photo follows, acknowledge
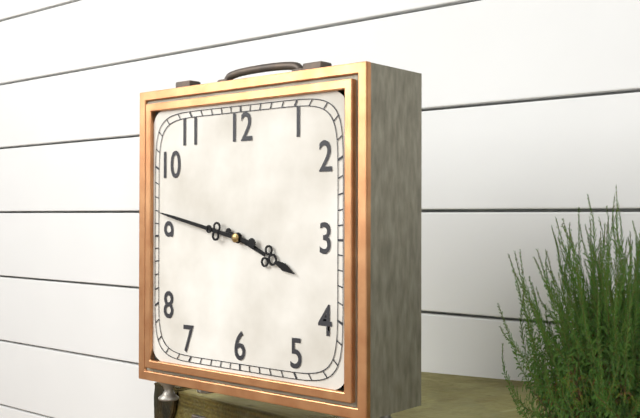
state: 3:47
